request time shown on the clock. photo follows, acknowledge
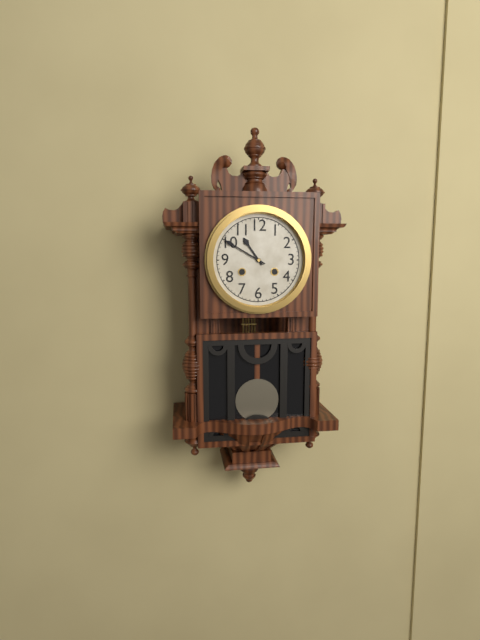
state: 10:50
